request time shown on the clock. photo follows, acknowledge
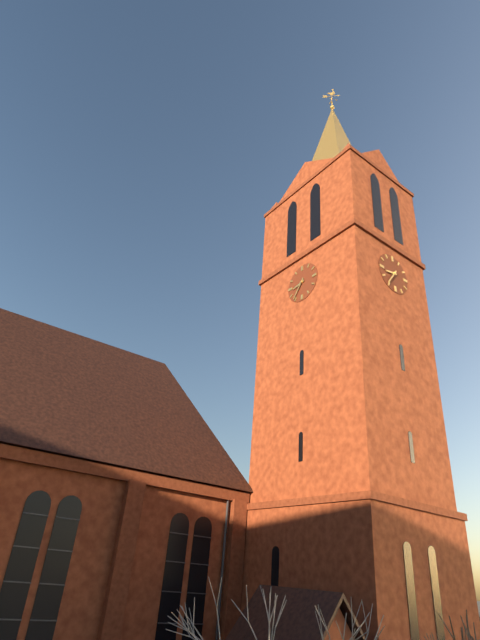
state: 8:36
